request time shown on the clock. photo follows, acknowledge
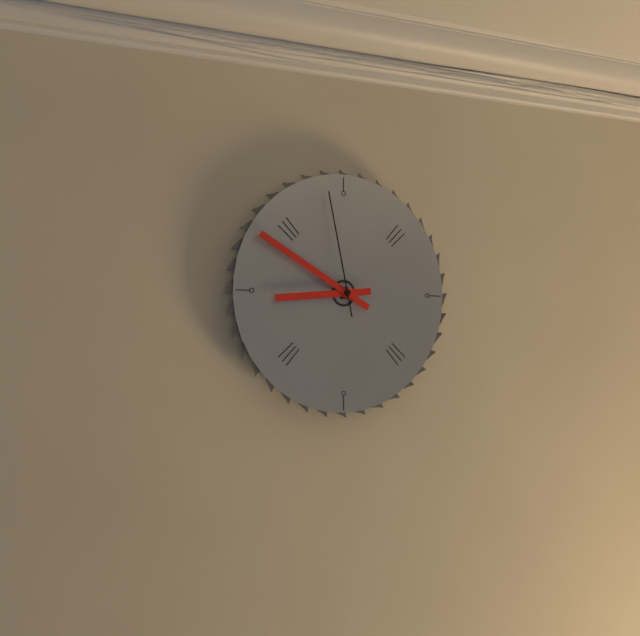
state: 8:50:58
